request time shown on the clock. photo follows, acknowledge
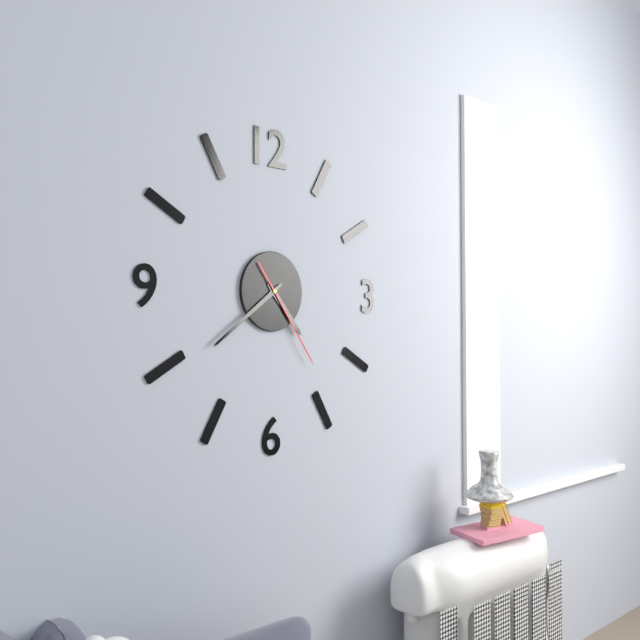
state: 4:39:24
